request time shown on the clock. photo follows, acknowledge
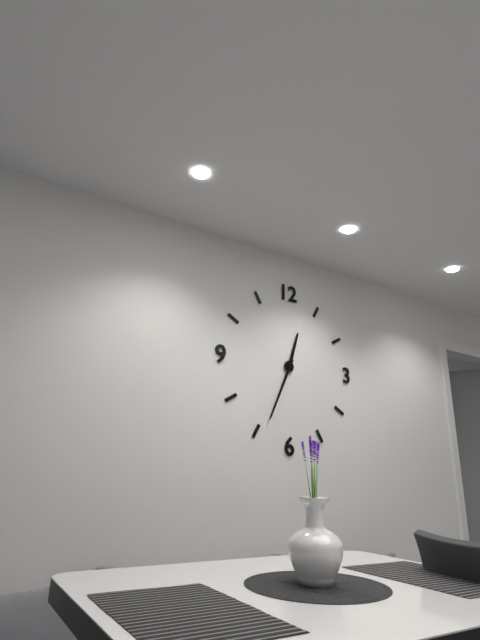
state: 12:34
